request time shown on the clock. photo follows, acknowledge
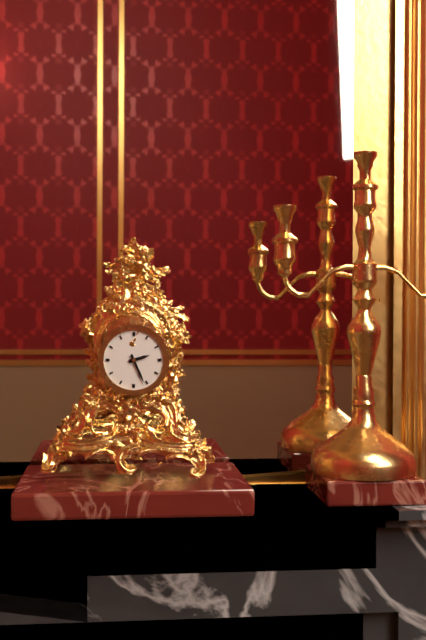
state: 2:26
